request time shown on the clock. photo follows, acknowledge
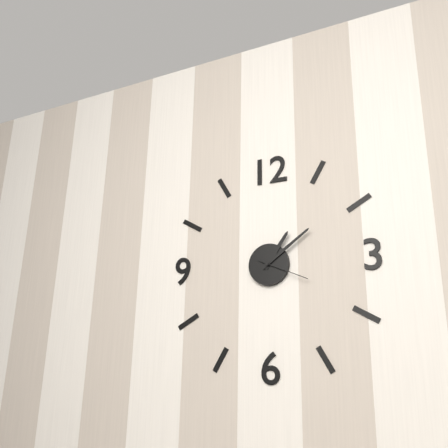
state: 1:09:19
